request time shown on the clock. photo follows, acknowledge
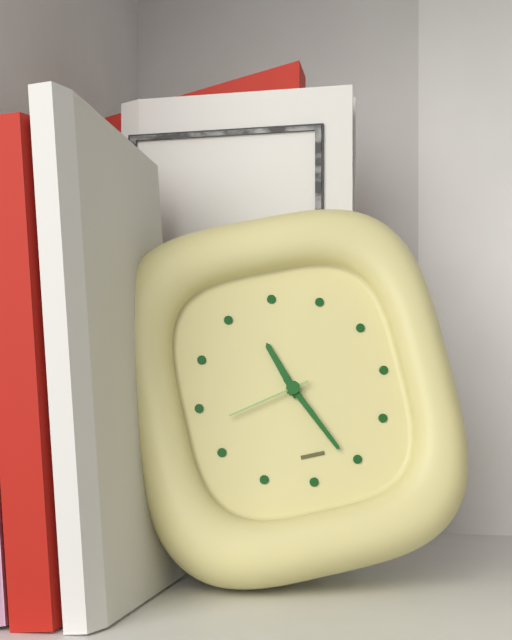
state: 11:26:43
